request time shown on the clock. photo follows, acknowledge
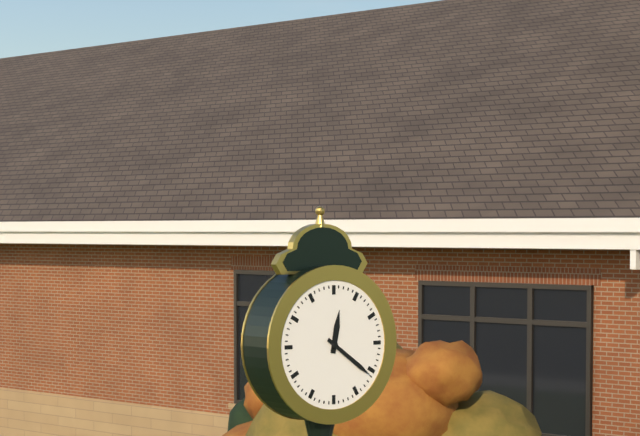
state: 12:21
